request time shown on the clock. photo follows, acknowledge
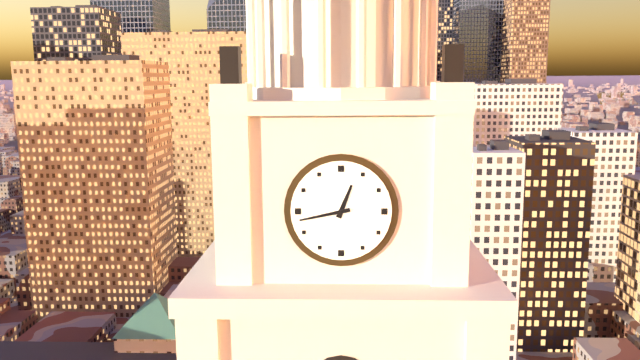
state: 12:43
